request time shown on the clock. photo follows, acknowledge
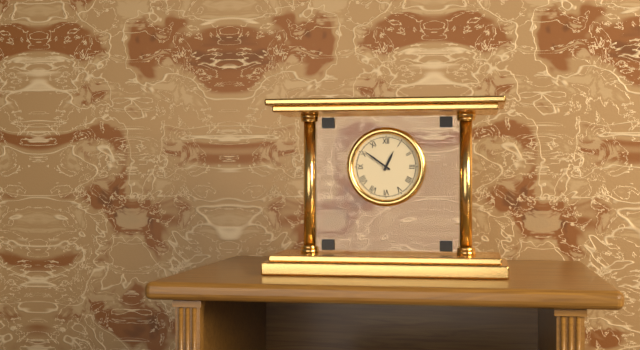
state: 12:51
